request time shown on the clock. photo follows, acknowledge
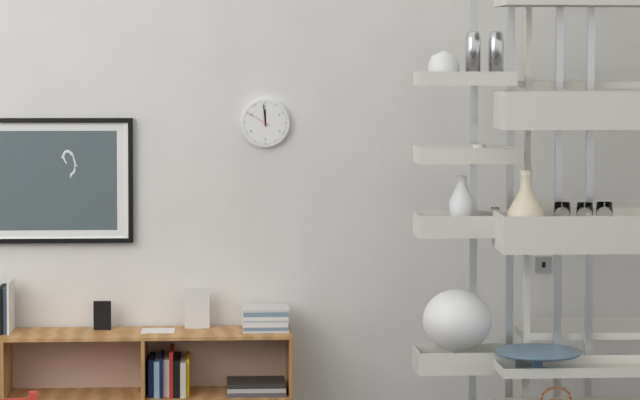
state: 11:59
